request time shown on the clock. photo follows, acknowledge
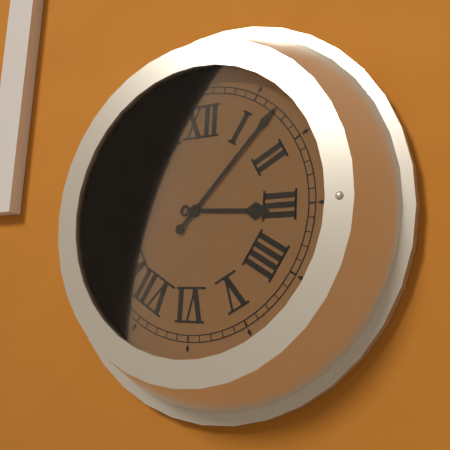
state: 3:07
